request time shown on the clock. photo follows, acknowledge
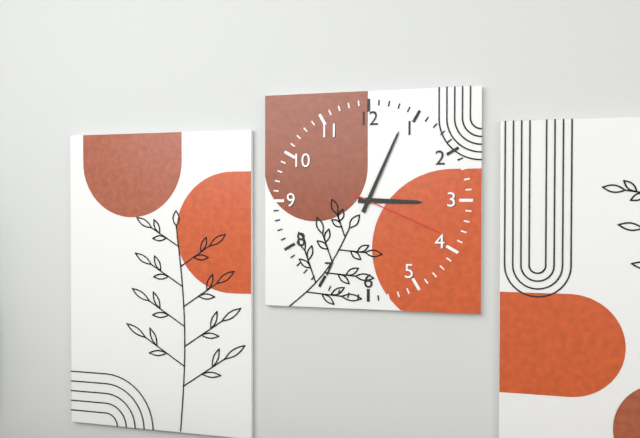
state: 3:04:19
